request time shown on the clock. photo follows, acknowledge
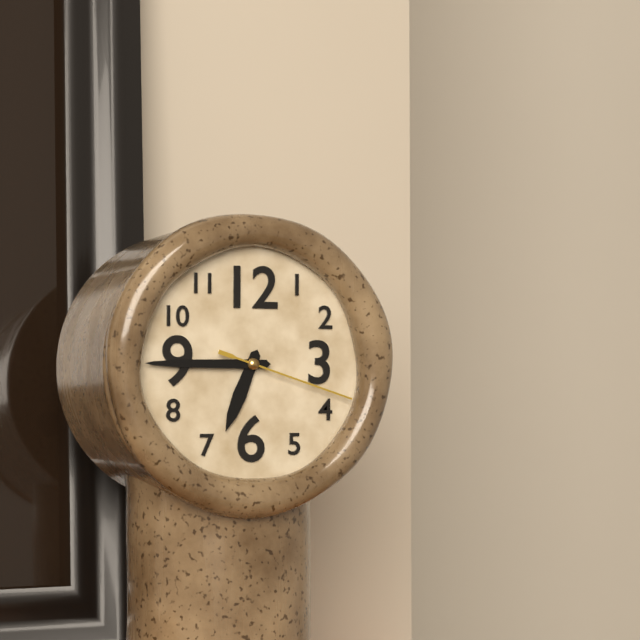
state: 6:45:18
